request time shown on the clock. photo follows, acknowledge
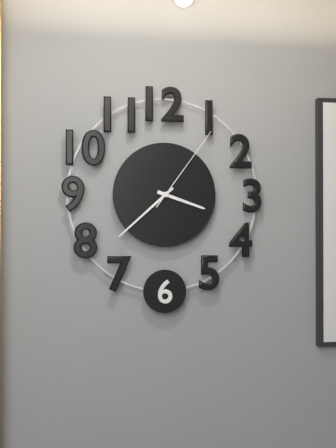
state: 3:38:06
